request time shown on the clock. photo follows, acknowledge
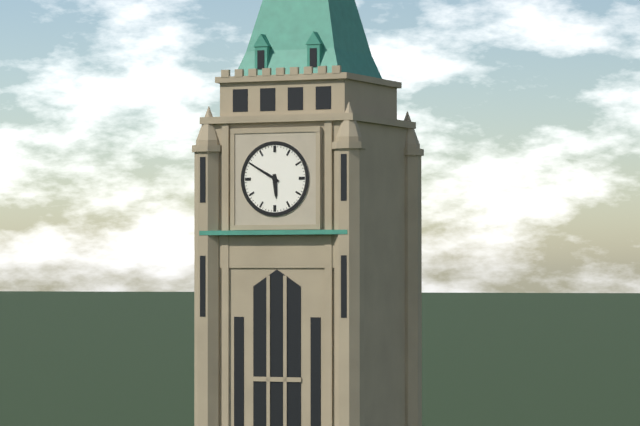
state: 5:50
